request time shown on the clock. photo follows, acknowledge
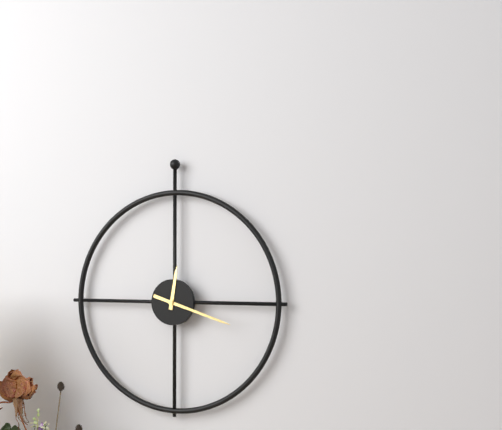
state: 12:18
